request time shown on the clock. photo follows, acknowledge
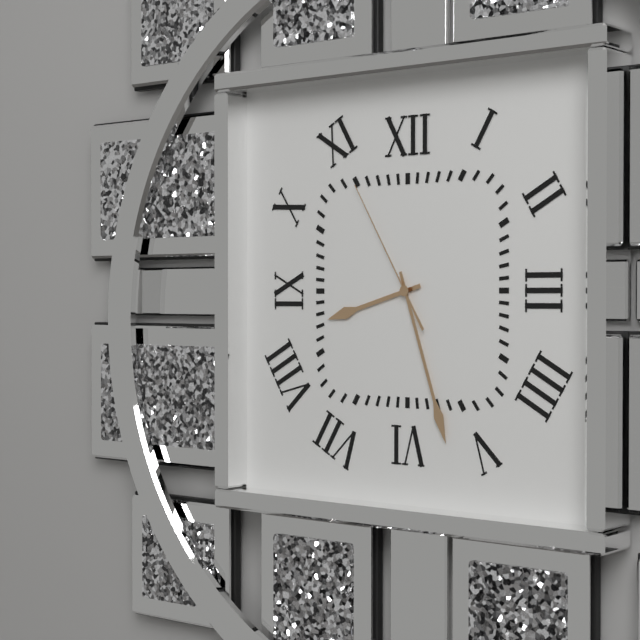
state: 8:27:55
